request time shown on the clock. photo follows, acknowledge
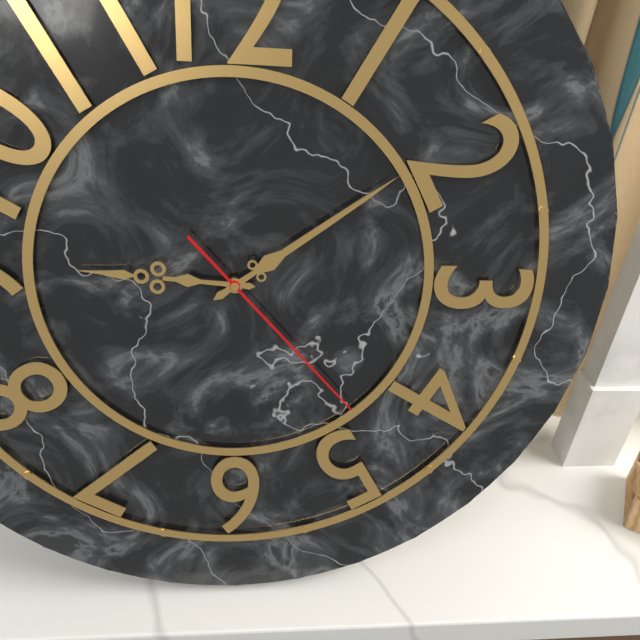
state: 9:09:23
